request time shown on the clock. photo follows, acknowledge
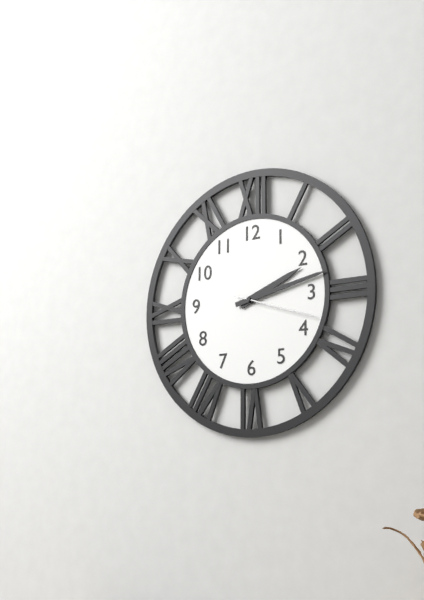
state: 2:13:18
